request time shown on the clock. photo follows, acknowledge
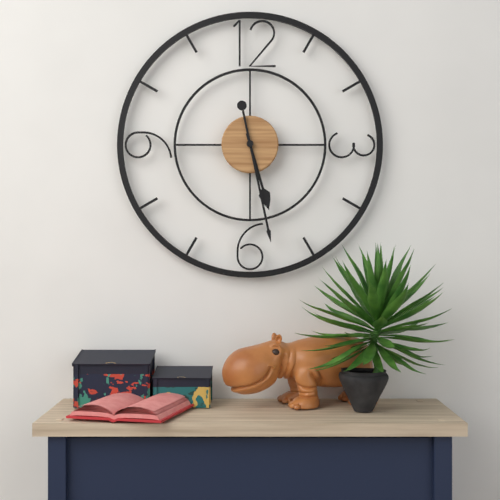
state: 5:28
